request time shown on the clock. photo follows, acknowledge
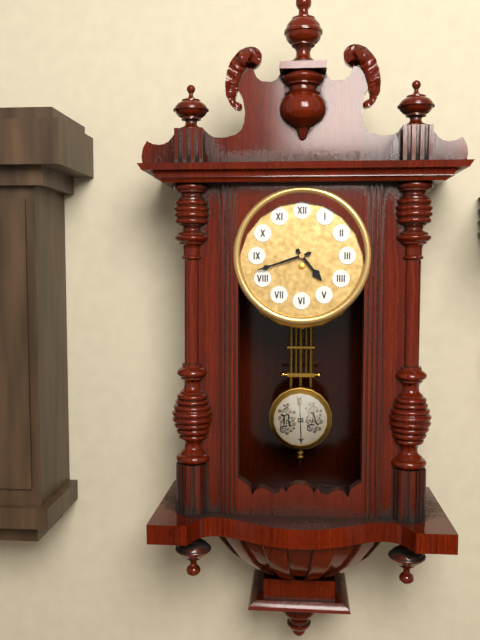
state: 4:42
